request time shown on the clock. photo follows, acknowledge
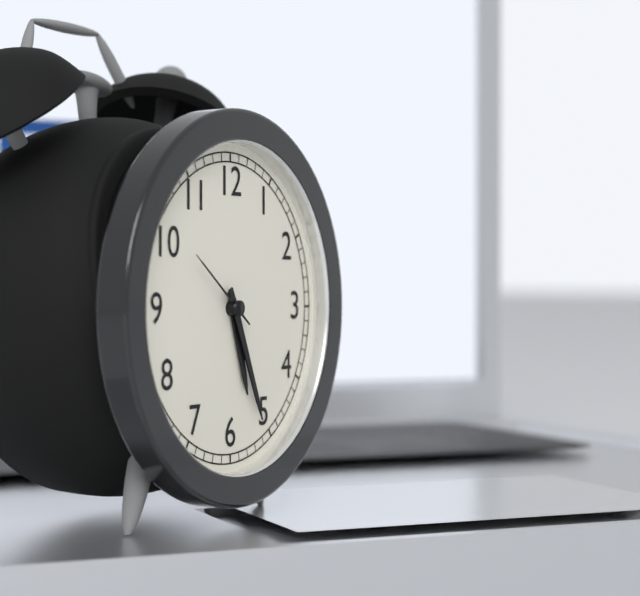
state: 5:26:51
